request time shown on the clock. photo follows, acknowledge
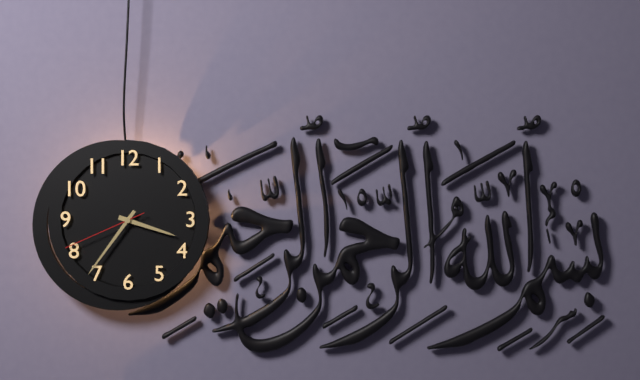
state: 3:36:41
